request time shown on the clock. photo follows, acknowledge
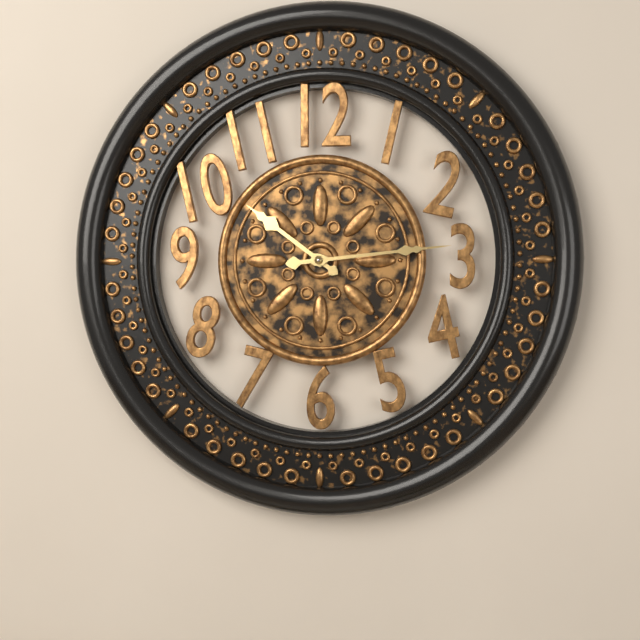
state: 10:14
